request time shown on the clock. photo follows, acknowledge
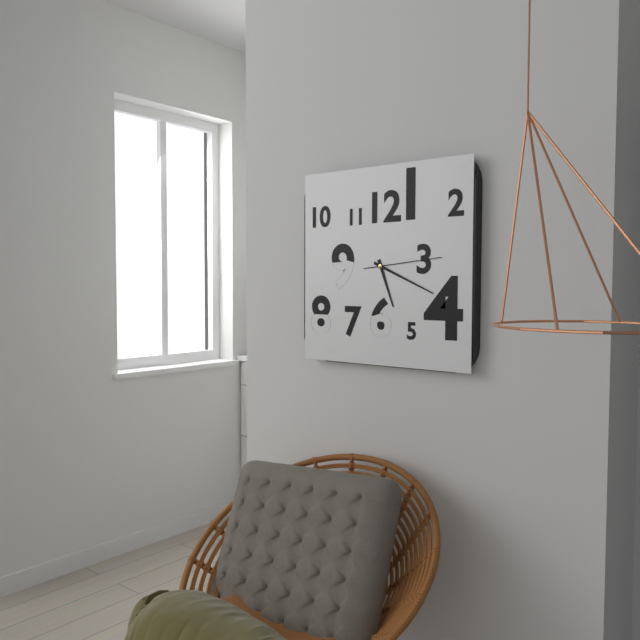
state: 5:19:14
